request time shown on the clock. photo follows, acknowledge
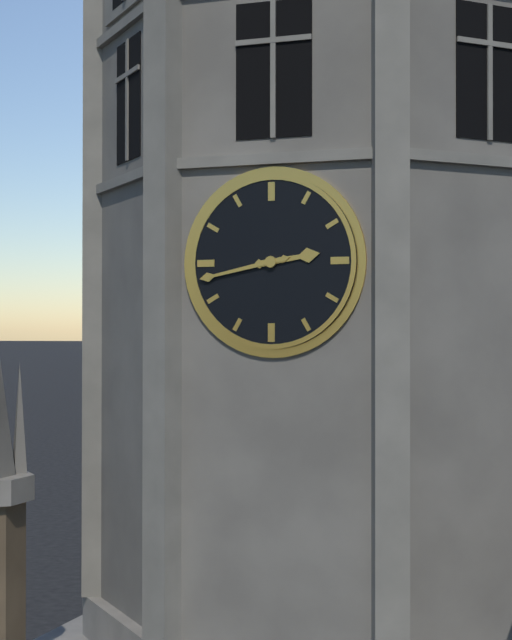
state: 2:43
